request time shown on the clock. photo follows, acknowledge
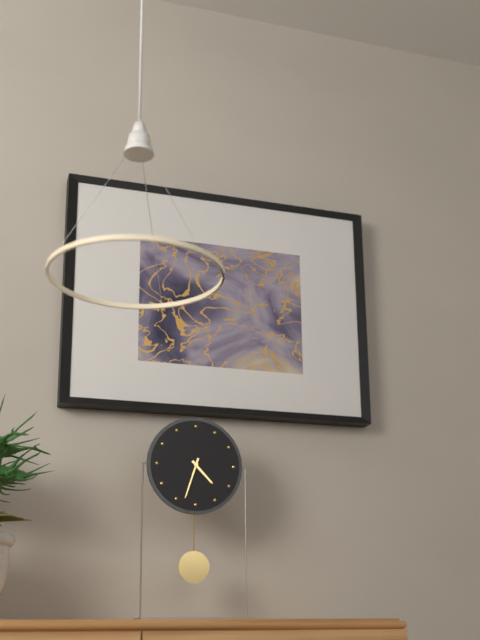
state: 4:33
